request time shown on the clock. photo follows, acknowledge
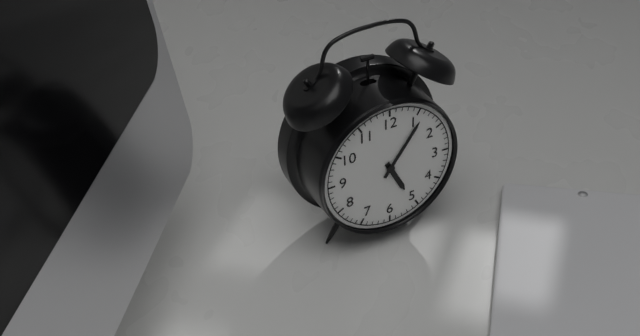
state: 5:06
